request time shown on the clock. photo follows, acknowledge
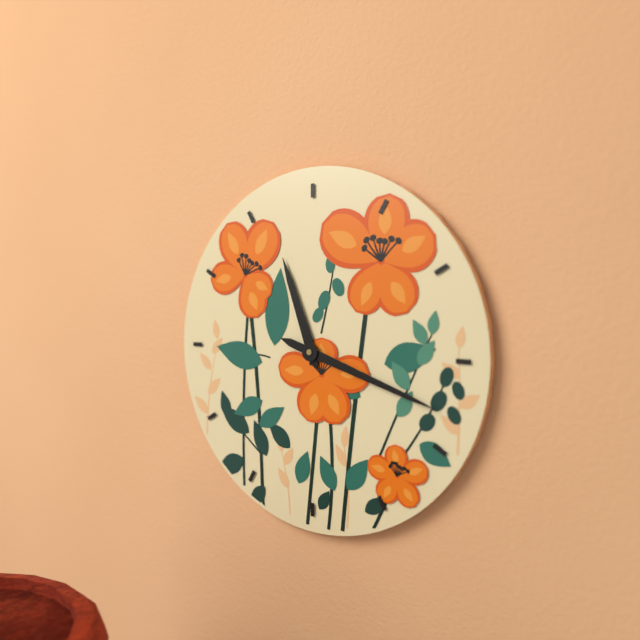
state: 11:18
